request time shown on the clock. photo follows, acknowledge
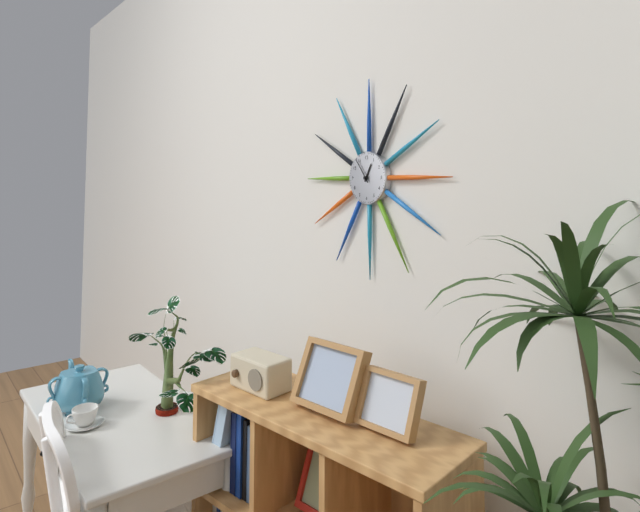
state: 12:54
